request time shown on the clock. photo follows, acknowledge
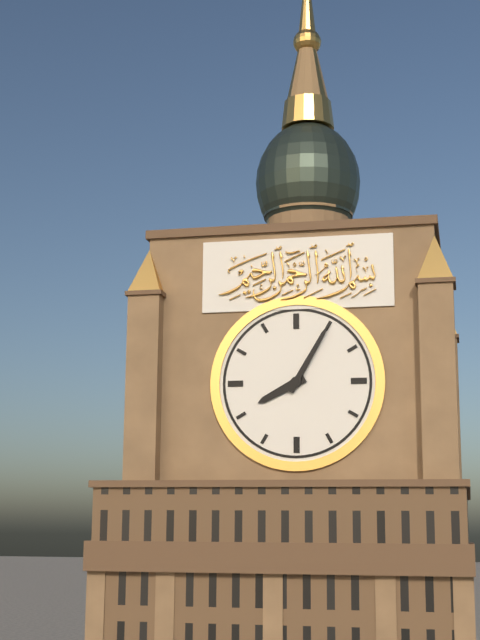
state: 8:05
